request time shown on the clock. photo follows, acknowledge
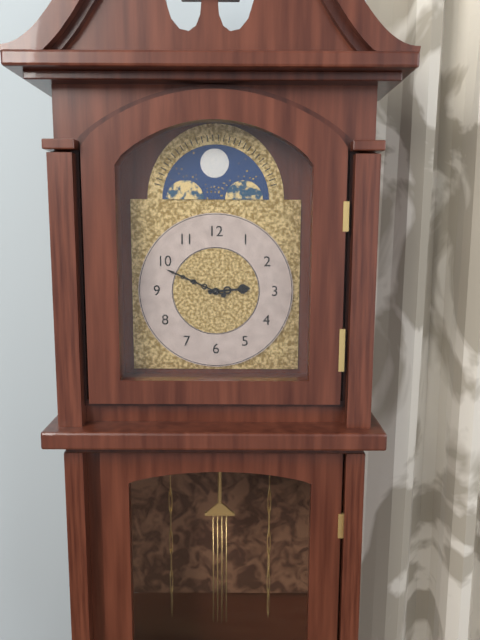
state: 2:49
